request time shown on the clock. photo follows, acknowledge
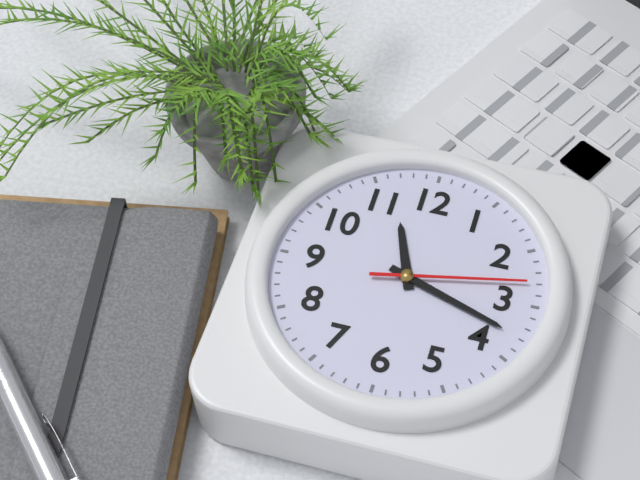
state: 11:18:13
